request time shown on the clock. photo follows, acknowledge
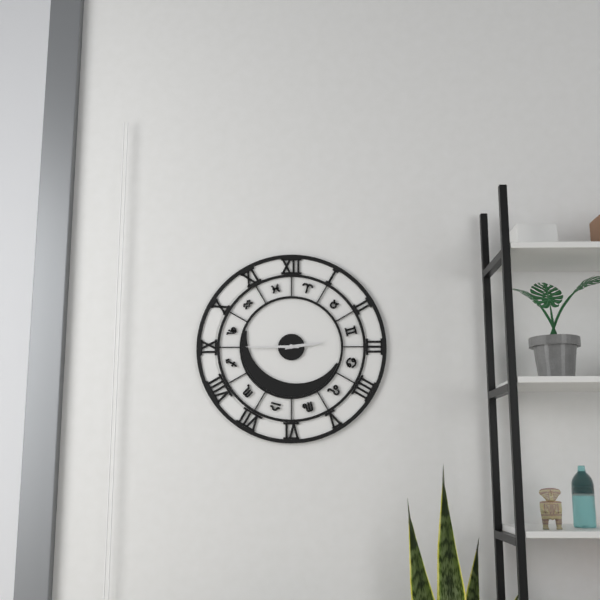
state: 2:45
